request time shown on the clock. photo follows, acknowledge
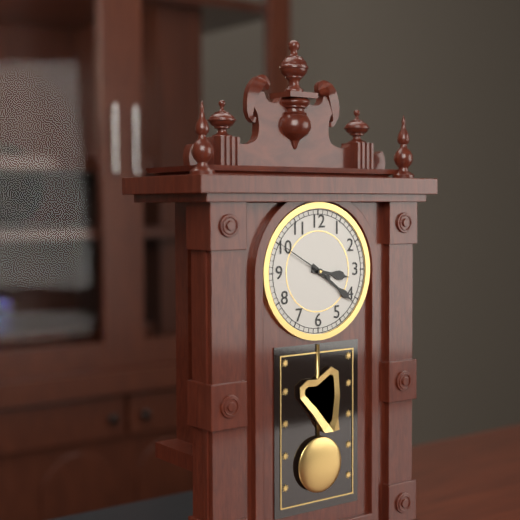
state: 3:21:50
